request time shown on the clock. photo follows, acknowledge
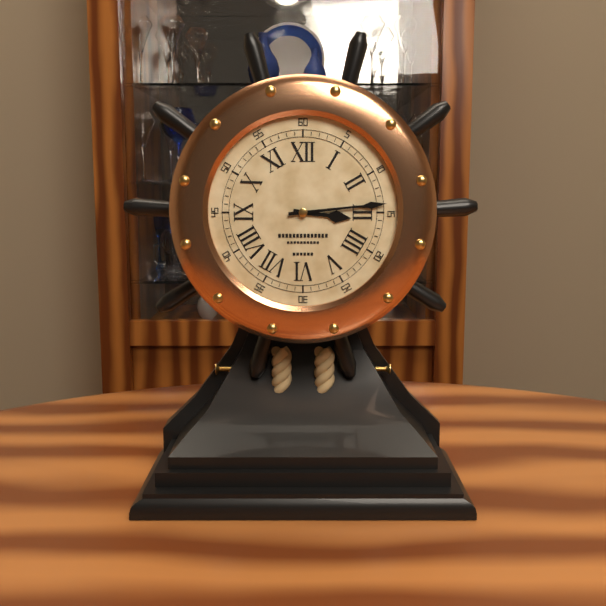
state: 3:14
